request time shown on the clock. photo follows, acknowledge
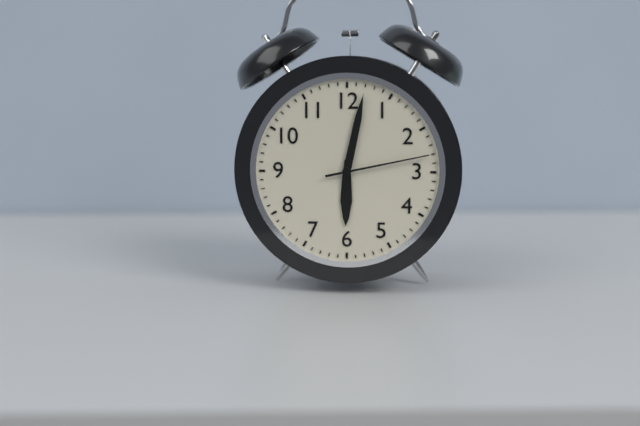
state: 6:02:13
